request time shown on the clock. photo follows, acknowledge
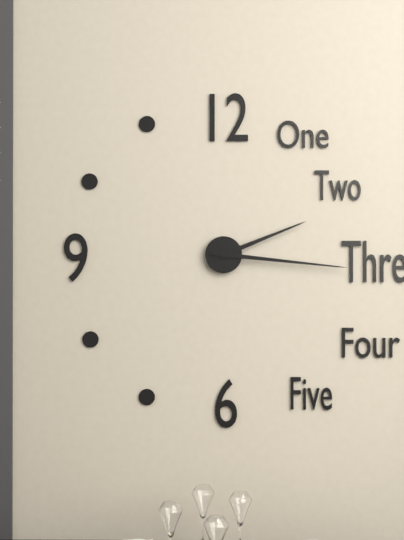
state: 2:16
